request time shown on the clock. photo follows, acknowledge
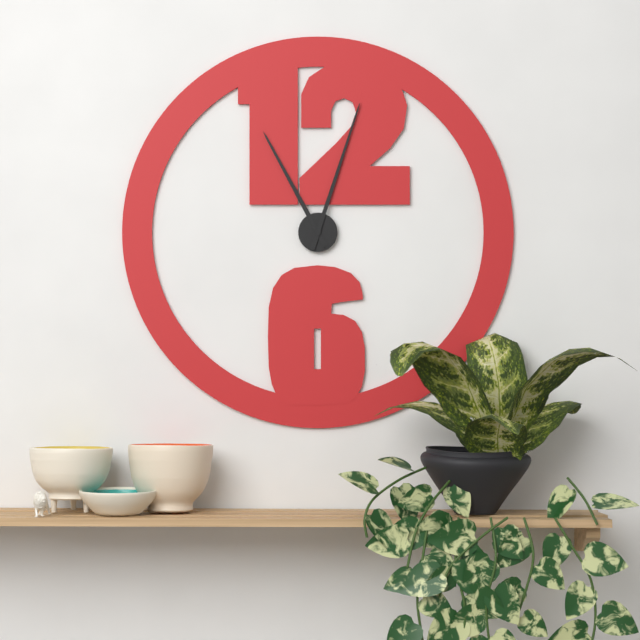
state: 11:03
